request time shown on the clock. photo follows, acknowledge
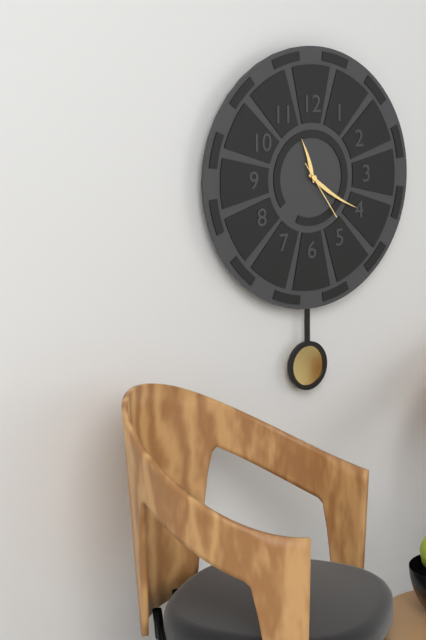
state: 11:20:24
